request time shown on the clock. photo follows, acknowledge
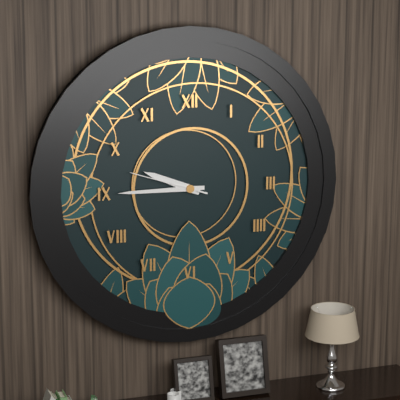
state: 9:45:48
